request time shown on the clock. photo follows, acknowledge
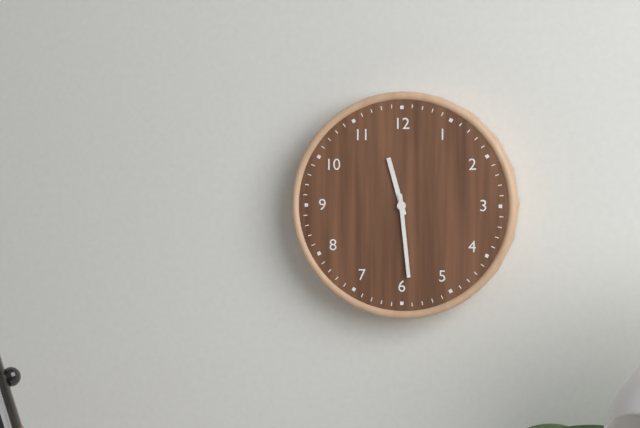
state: 11:29
